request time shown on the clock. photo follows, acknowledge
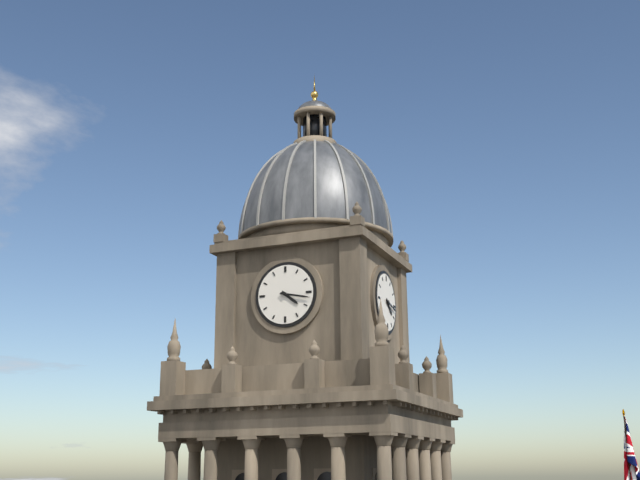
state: 4:17
